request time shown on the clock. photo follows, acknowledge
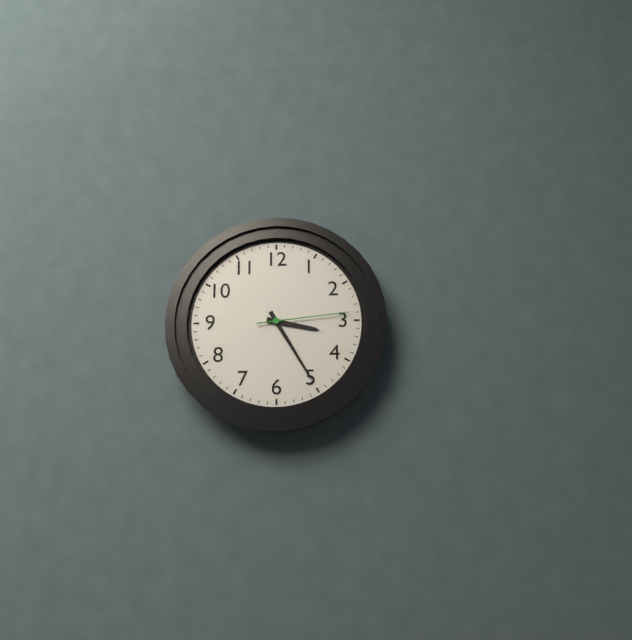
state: 3:25:14
